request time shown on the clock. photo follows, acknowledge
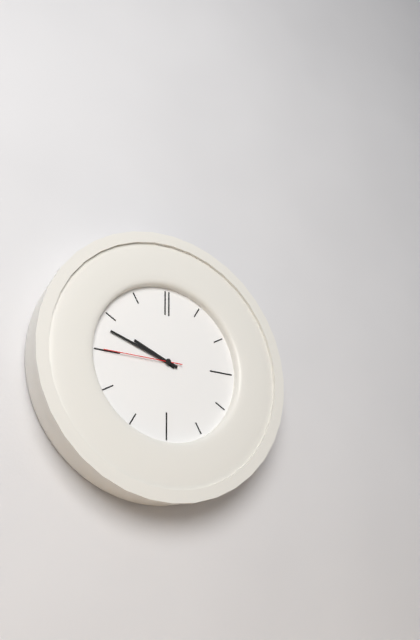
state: 9:48:45
